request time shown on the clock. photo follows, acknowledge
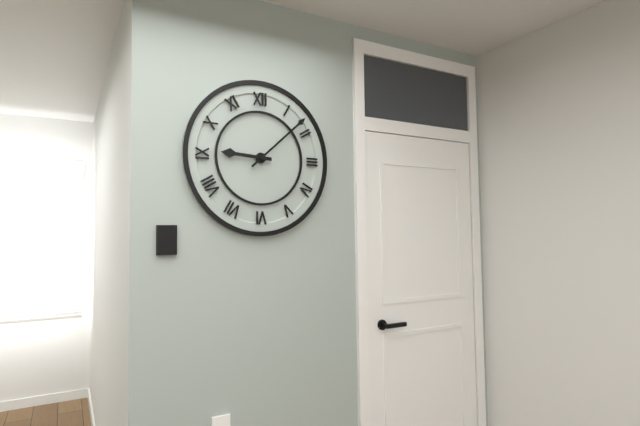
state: 9:08
